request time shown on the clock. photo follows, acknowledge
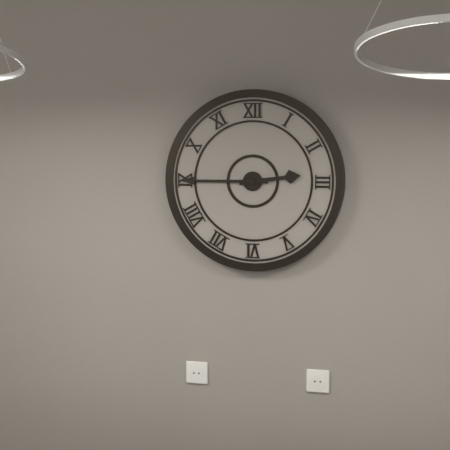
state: 2:45
